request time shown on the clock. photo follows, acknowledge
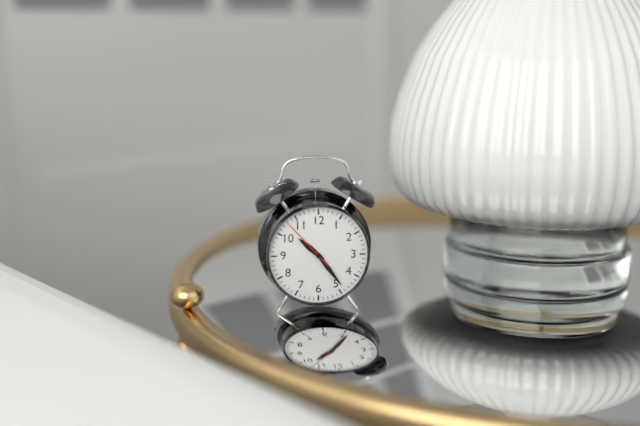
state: 10:24
